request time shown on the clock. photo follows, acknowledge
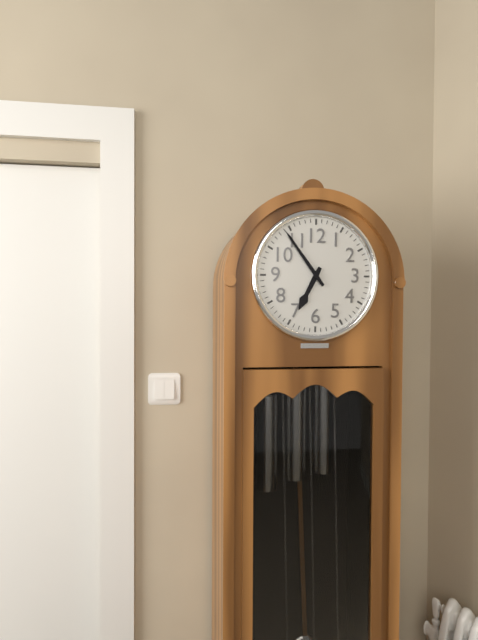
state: 6:54
